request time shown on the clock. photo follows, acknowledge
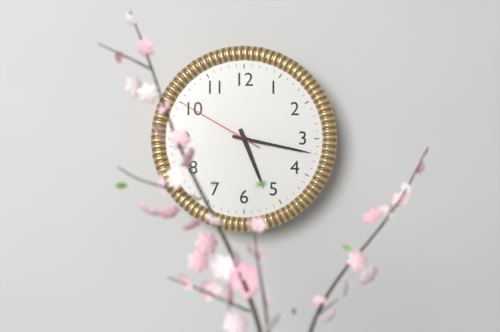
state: 5:17:50
